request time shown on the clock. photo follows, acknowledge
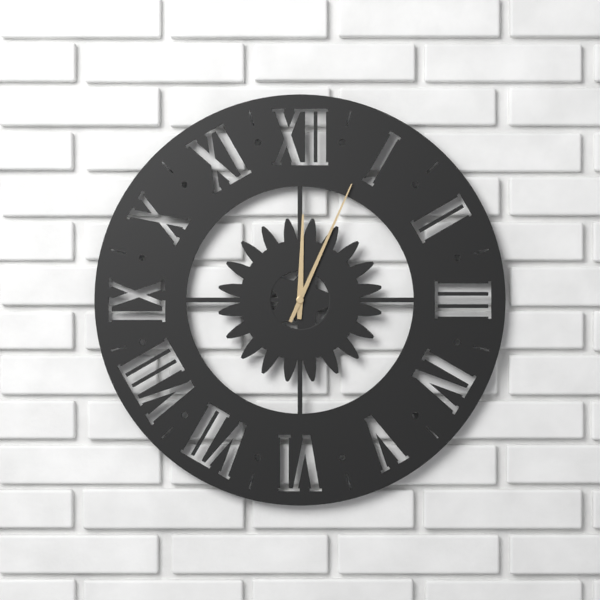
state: 12:04
